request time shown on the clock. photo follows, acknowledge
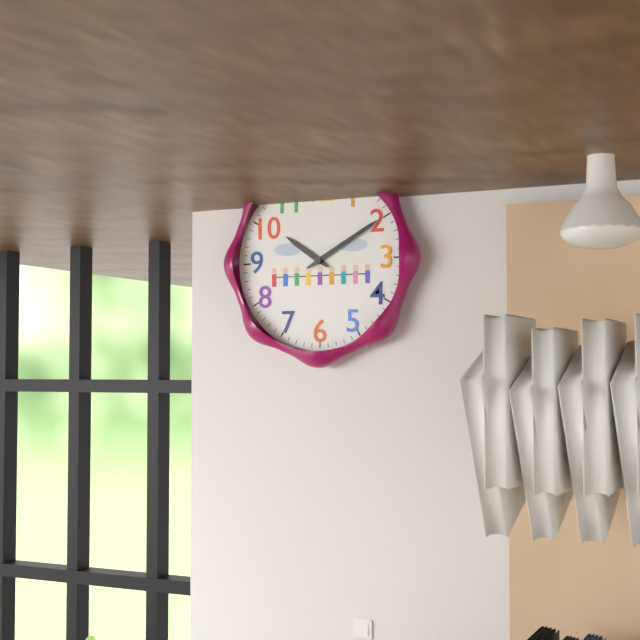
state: 10:10
